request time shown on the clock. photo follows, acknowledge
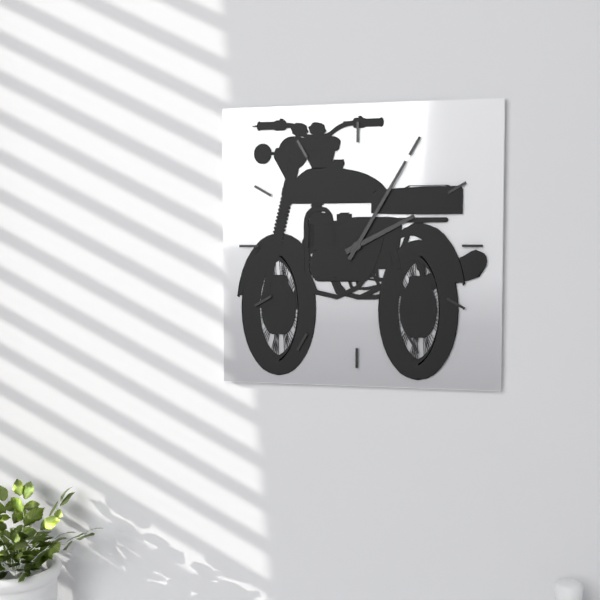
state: 2:05
